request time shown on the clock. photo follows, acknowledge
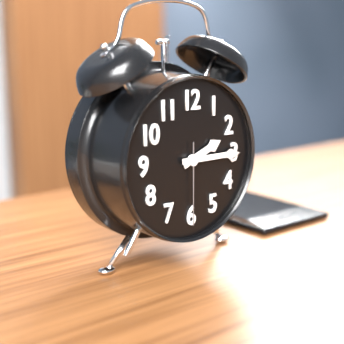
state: 2:15:30
